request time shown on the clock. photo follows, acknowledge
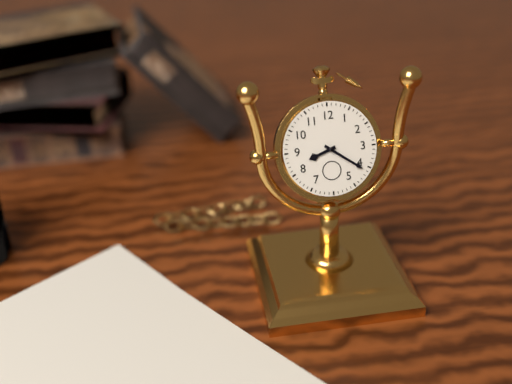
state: 8:21
